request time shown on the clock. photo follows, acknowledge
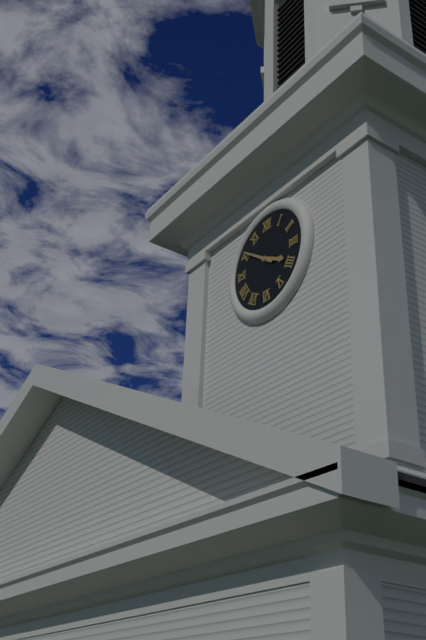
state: 3:51
